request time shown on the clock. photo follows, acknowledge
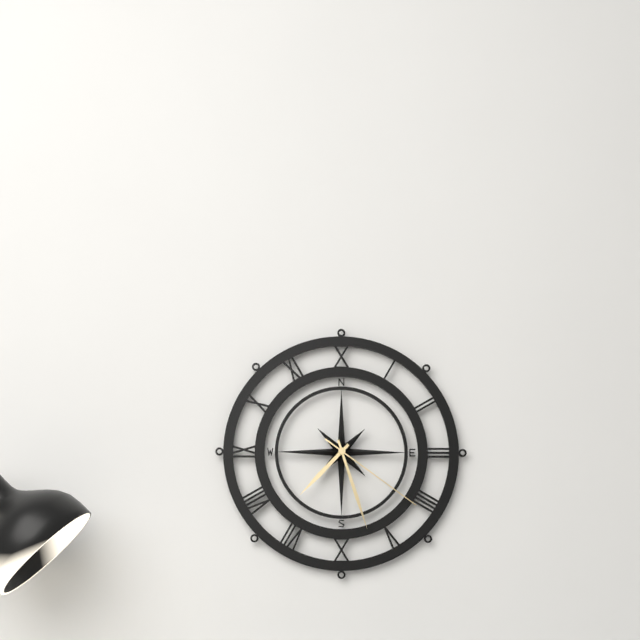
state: 7:27:21
